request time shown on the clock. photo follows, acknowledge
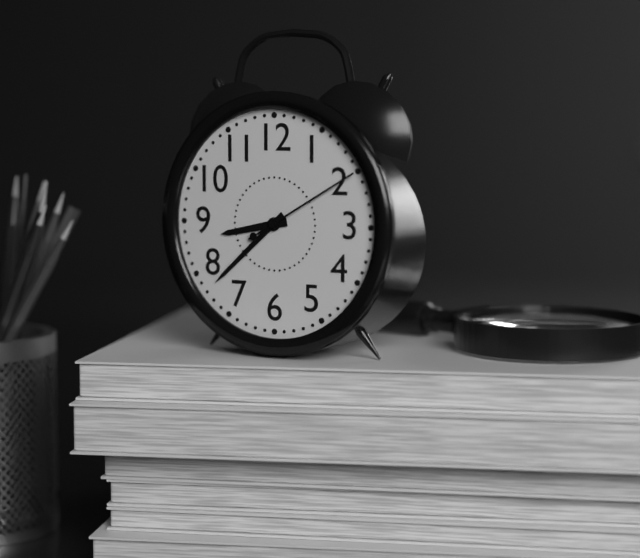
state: 8:38:10
